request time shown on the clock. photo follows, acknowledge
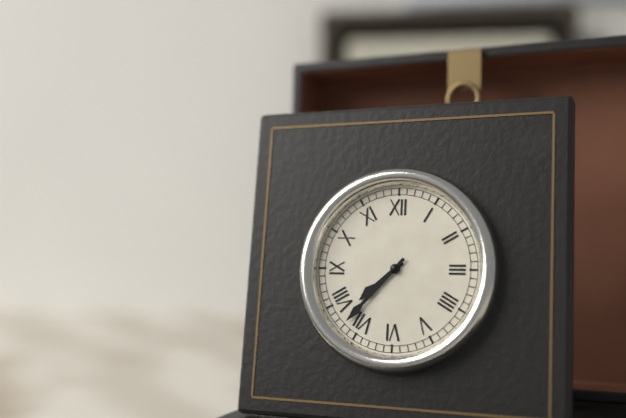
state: 7:37
